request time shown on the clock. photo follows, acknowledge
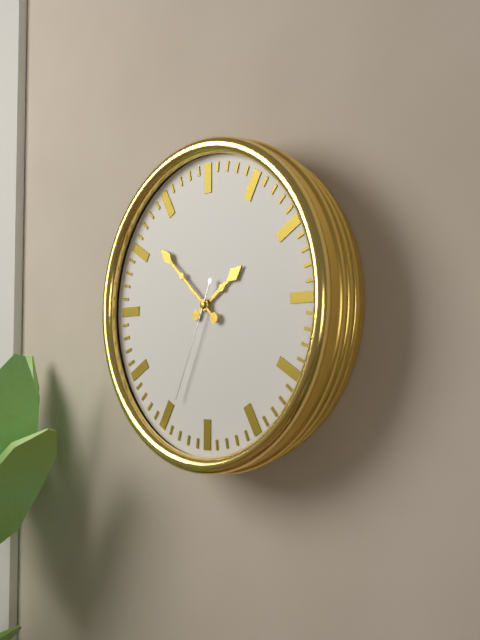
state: 1:52:34
